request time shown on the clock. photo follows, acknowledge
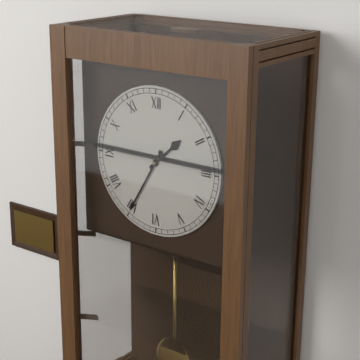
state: 1:35
